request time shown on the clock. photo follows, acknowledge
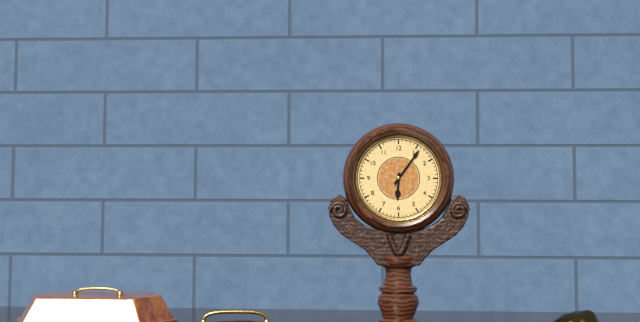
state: 6:06
